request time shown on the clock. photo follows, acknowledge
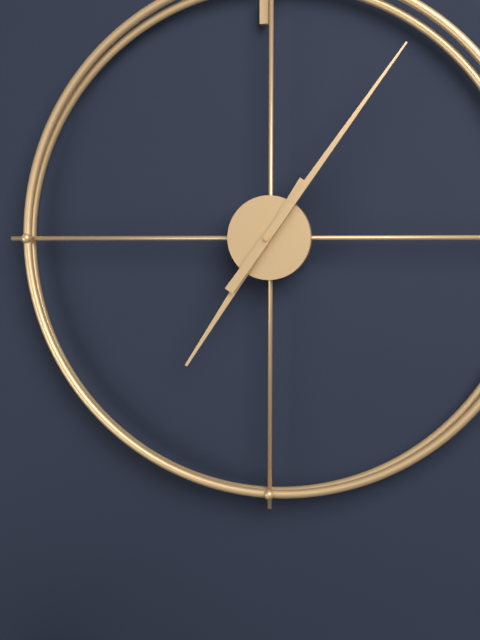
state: 7:06
